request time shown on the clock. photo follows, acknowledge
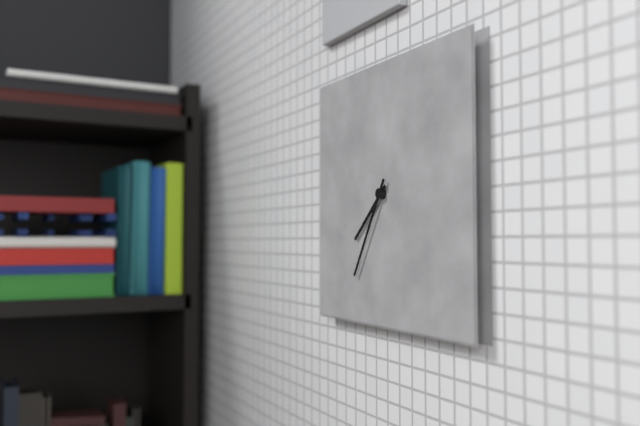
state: 7:35
